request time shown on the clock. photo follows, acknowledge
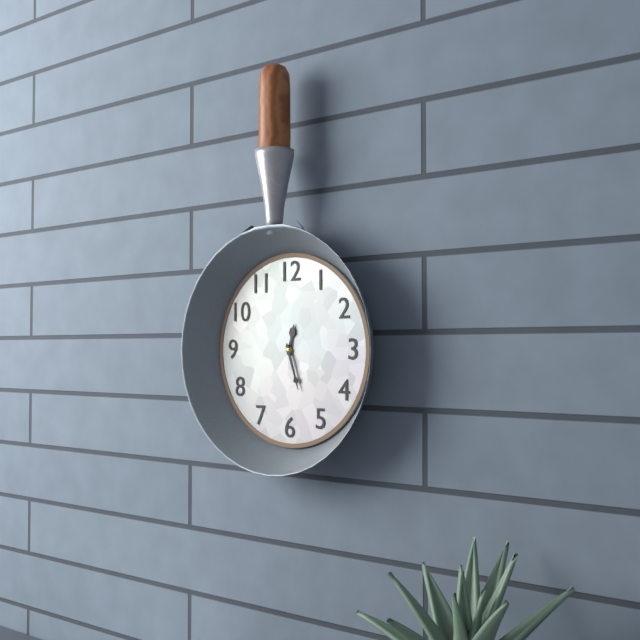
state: 12:27
